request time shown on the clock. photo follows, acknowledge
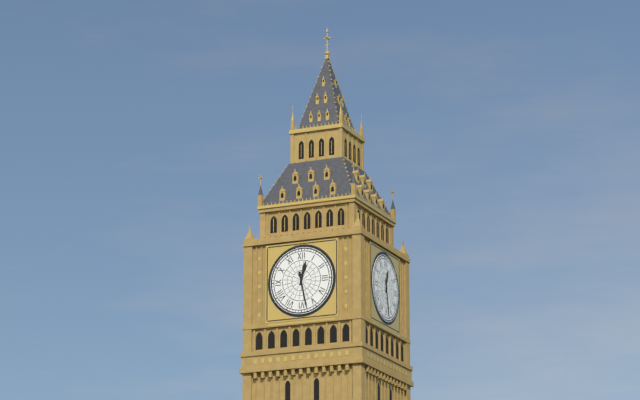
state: 12:28
